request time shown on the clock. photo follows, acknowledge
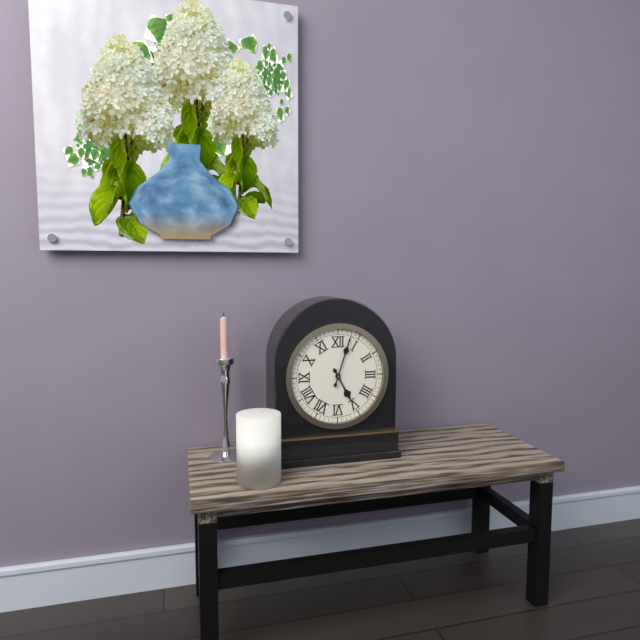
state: 5:03
